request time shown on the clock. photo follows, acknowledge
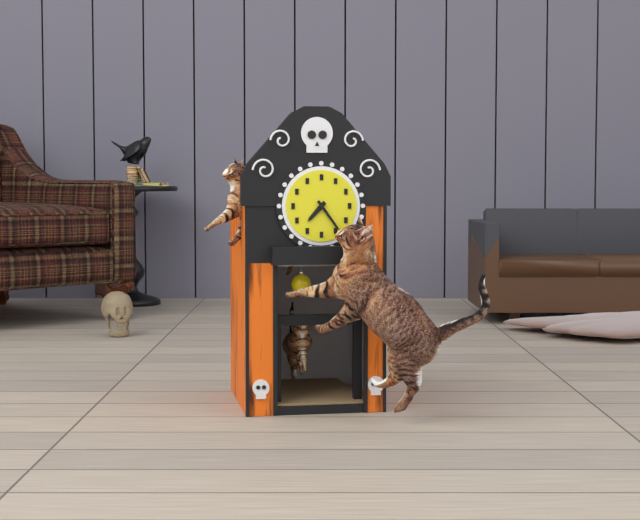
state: 7:24
